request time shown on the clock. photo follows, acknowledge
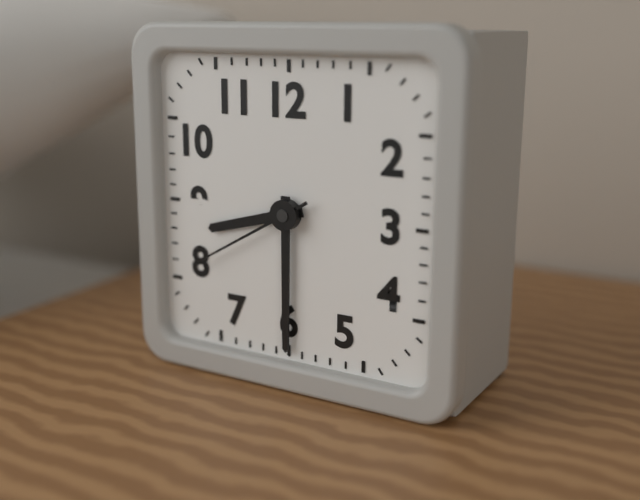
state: 8:30:40
